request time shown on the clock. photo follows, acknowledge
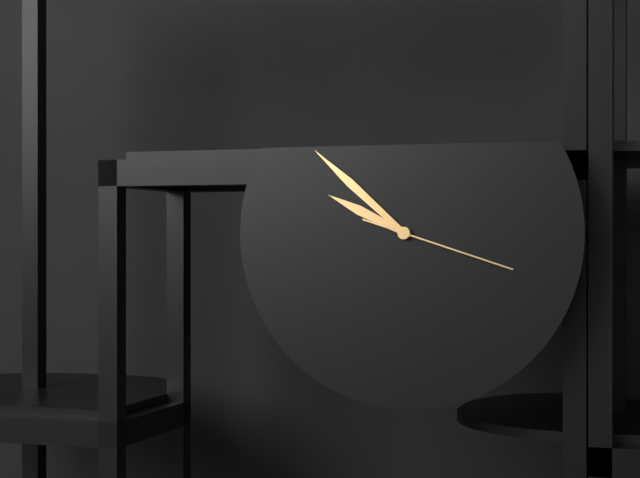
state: 9:52:18
